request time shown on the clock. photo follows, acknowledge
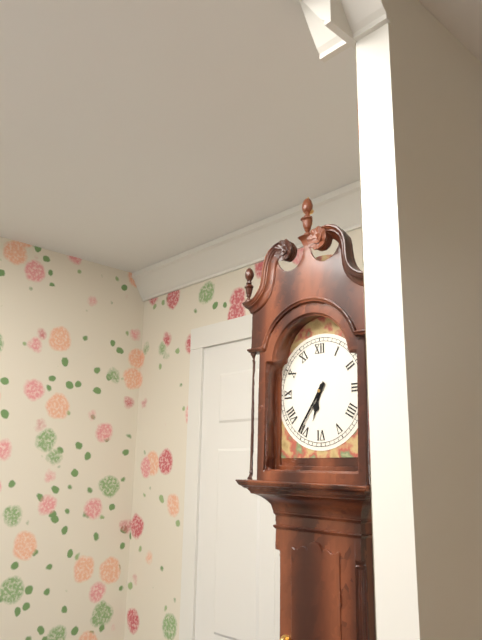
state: 6:36
